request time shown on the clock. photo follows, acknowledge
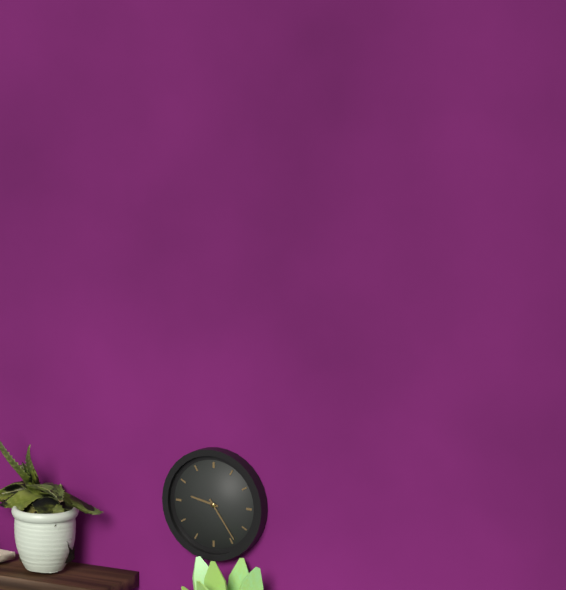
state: 9:24
